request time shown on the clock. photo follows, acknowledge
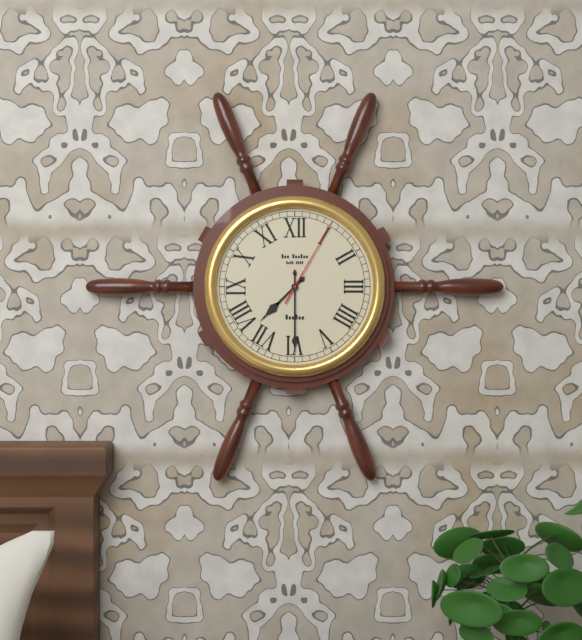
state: 7:30:05
